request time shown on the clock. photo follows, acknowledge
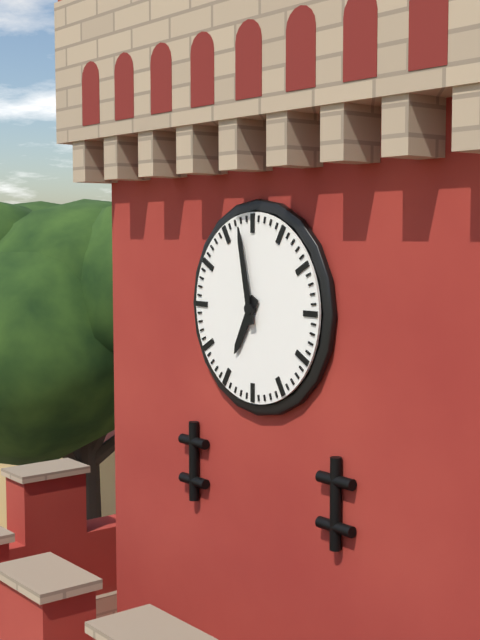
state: 6:58
